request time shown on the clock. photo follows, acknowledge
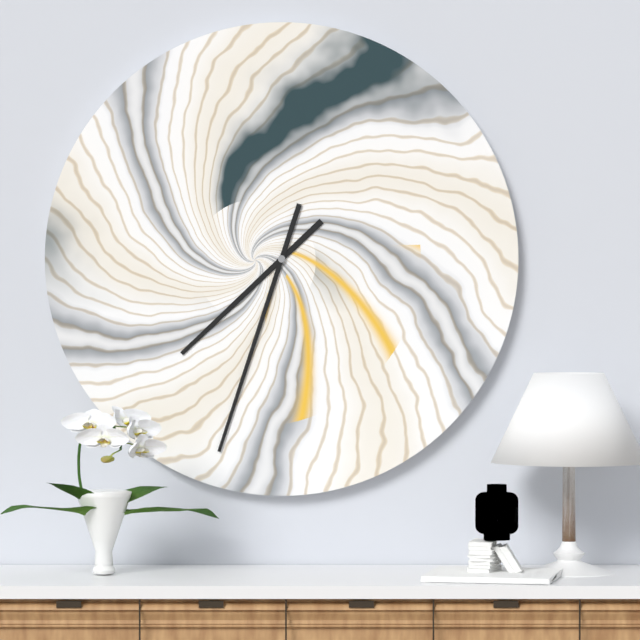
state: 7:33
